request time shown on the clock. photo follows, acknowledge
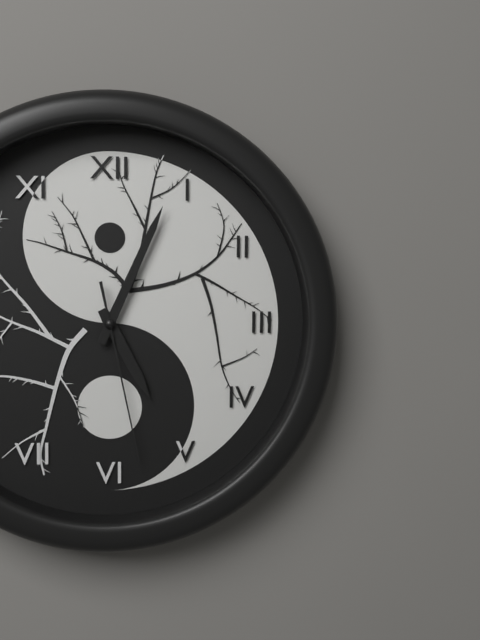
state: 5:04:28
